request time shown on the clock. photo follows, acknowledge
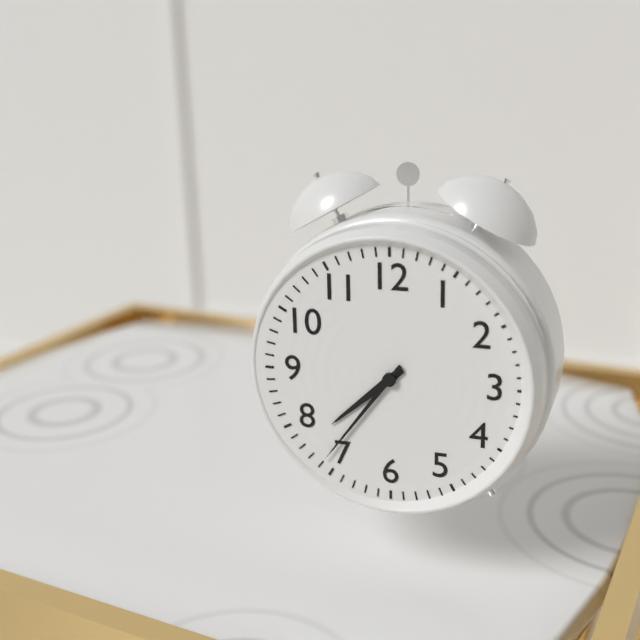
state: 7:36
